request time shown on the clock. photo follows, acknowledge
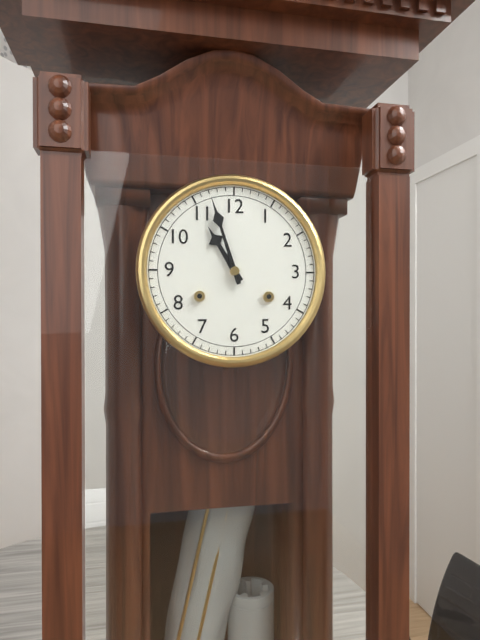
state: 10:57
